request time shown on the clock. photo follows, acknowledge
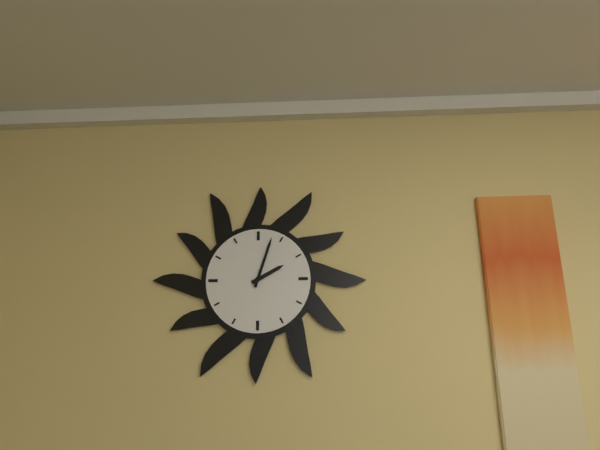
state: 2:03
